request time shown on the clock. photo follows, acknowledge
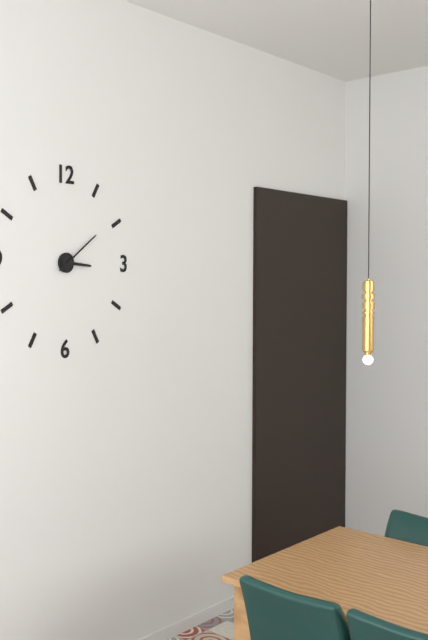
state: 3:09
